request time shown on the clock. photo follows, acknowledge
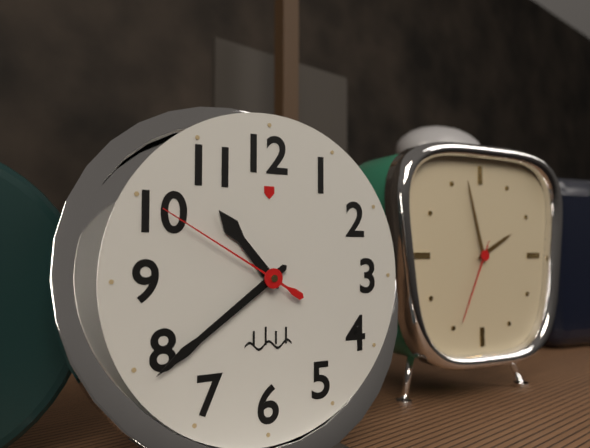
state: 10:39:50
